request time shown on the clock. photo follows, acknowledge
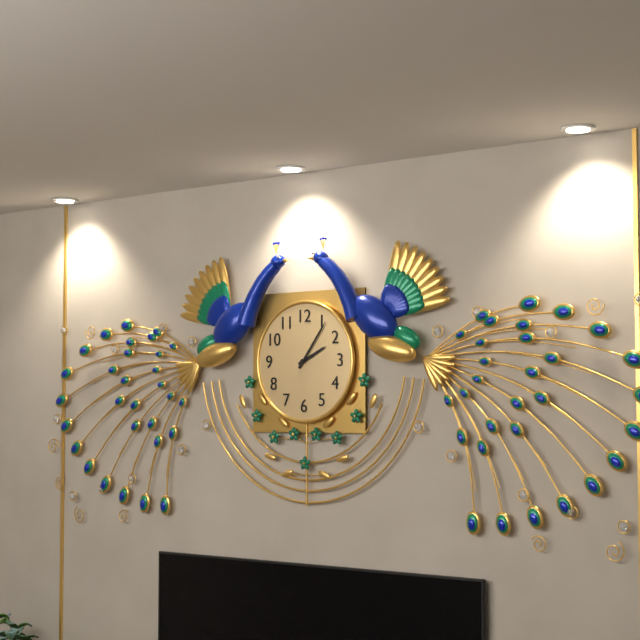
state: 2:06
